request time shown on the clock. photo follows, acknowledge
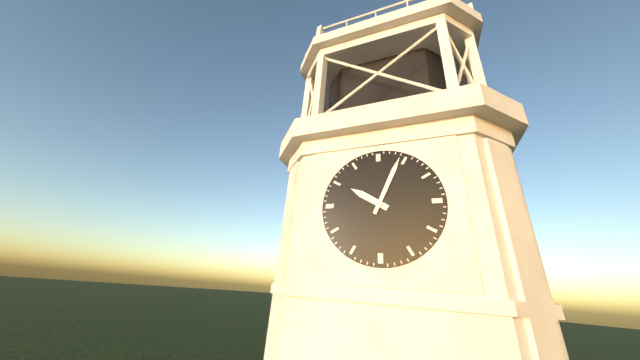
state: 10:04
